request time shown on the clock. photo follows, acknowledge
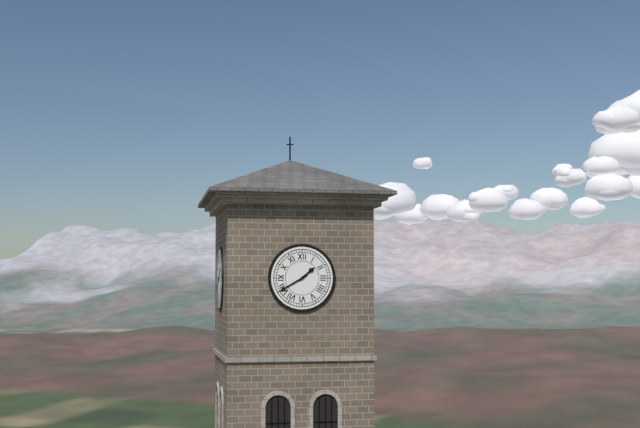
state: 1:40
